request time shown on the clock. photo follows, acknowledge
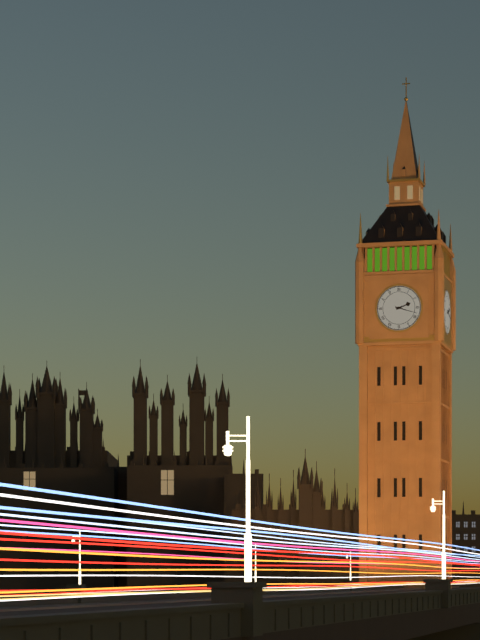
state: 2:18
